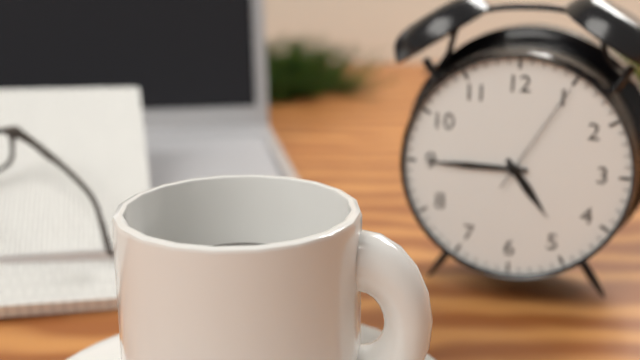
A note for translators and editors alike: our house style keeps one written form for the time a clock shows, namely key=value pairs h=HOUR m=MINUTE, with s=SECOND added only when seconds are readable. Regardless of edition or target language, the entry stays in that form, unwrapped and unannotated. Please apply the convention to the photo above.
h=4 m=45 s=5
